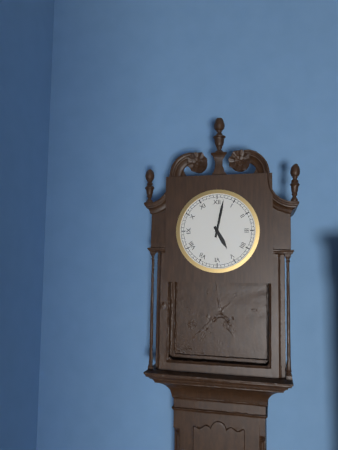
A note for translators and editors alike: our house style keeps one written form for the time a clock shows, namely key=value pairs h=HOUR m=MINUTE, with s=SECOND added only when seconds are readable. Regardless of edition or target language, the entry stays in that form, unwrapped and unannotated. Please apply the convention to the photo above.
h=5 m=2
